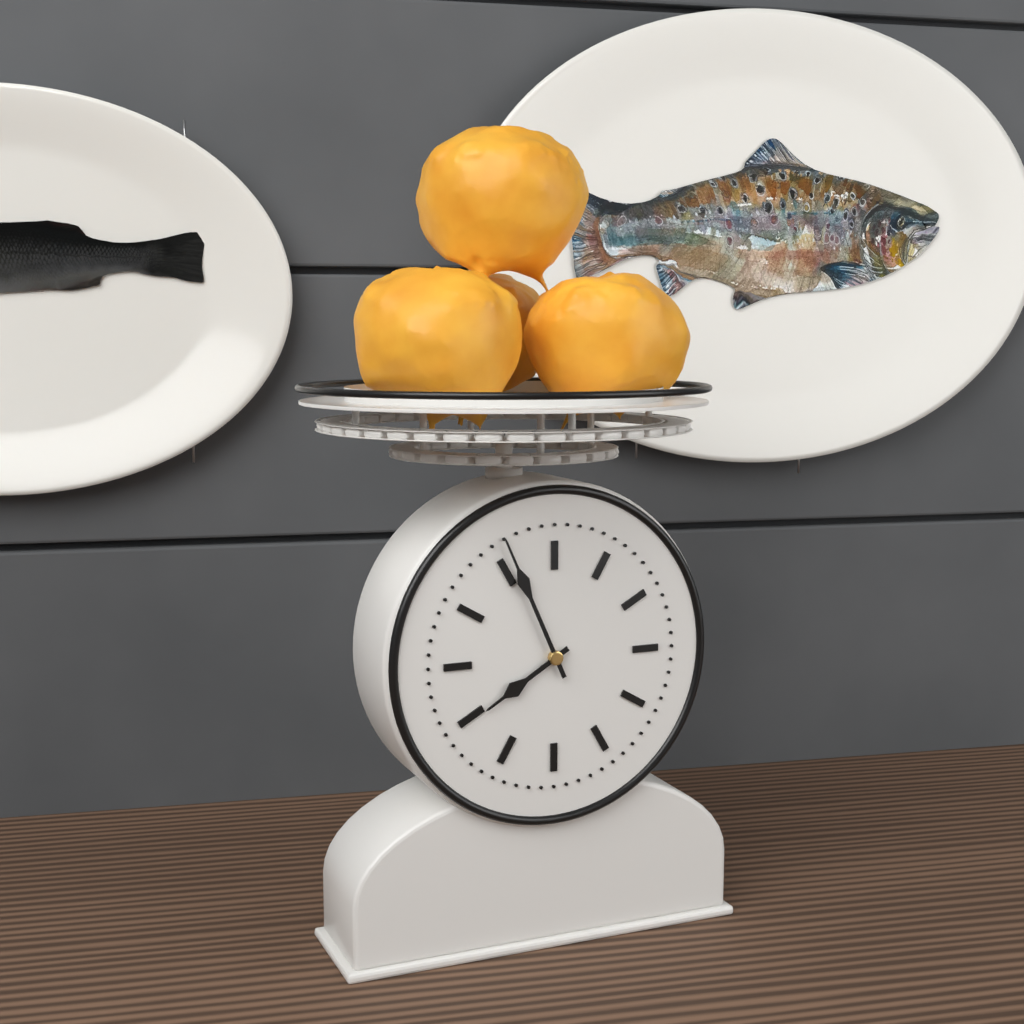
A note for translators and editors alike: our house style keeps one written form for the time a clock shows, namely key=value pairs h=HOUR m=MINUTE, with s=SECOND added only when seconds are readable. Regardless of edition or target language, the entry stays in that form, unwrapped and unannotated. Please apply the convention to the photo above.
h=7 m=56
